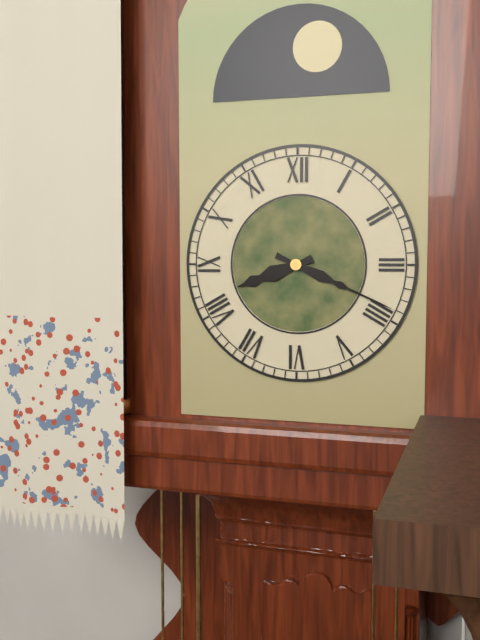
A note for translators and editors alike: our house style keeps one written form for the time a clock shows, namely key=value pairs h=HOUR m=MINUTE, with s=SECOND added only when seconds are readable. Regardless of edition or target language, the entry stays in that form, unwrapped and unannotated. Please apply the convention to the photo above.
h=8 m=19
